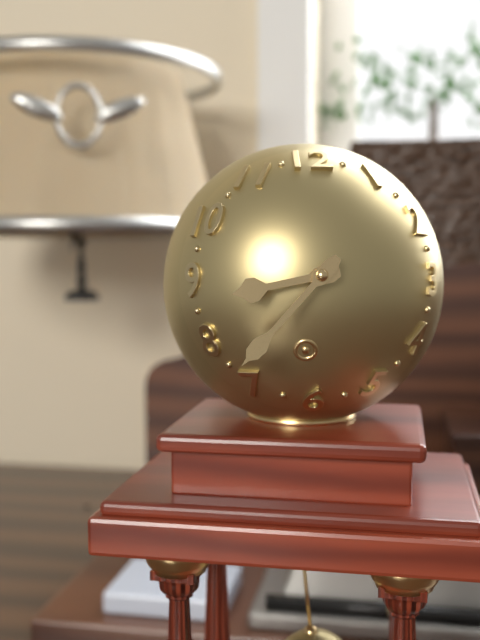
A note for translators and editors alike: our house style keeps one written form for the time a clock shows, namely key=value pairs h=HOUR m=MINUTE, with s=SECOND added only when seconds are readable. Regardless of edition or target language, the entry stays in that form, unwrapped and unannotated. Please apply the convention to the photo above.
h=8 m=37
